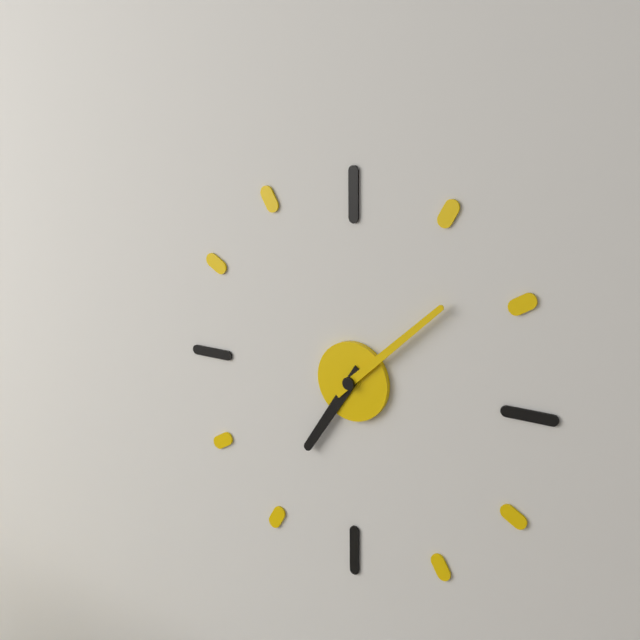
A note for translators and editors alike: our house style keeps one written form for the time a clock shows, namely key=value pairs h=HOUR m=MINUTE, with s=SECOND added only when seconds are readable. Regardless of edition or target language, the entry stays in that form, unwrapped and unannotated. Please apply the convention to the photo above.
h=7 m=8
